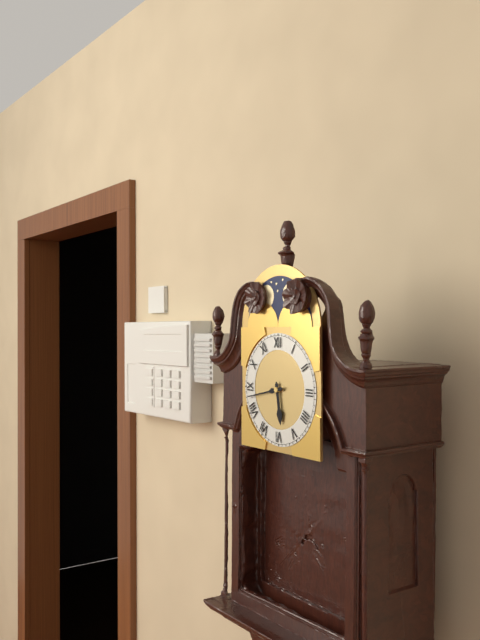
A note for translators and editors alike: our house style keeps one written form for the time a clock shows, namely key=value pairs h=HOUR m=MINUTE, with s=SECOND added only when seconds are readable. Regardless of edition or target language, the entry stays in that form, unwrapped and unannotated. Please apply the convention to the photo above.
h=5 m=43
